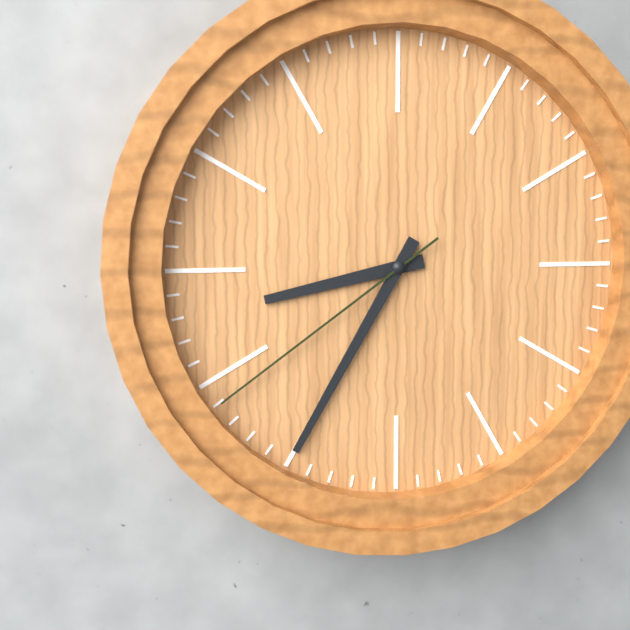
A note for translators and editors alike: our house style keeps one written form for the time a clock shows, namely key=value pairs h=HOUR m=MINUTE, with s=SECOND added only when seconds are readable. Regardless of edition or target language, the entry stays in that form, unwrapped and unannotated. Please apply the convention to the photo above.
h=8 m=35 s=39
